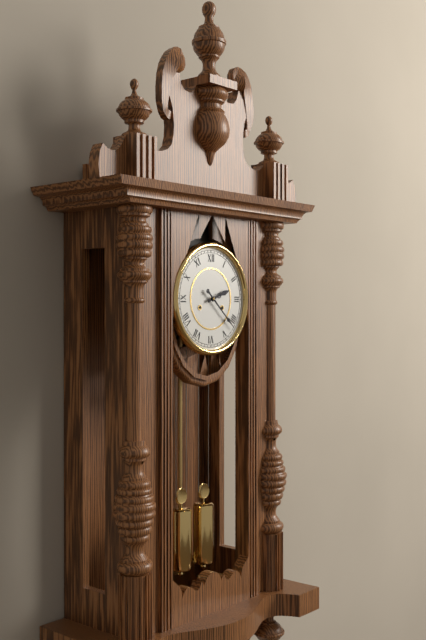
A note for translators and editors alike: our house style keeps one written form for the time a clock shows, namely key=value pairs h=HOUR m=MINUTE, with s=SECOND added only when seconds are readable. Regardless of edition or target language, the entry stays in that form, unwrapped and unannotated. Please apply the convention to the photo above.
h=2 m=22
